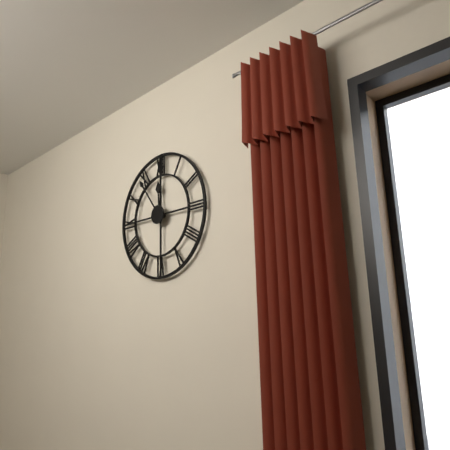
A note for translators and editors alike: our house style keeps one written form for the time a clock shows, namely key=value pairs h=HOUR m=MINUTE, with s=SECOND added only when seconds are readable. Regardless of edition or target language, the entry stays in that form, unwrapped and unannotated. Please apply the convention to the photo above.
h=11 m=54
